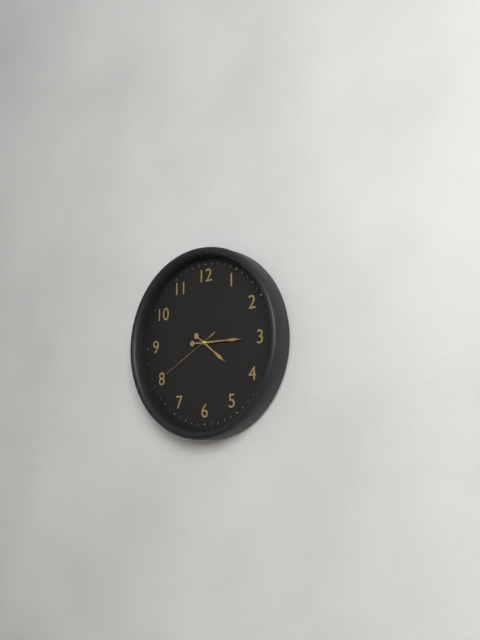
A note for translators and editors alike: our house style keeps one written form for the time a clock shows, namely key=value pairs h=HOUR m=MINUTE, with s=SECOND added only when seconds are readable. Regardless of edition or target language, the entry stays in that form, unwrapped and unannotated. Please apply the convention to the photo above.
h=4 m=15 s=40
